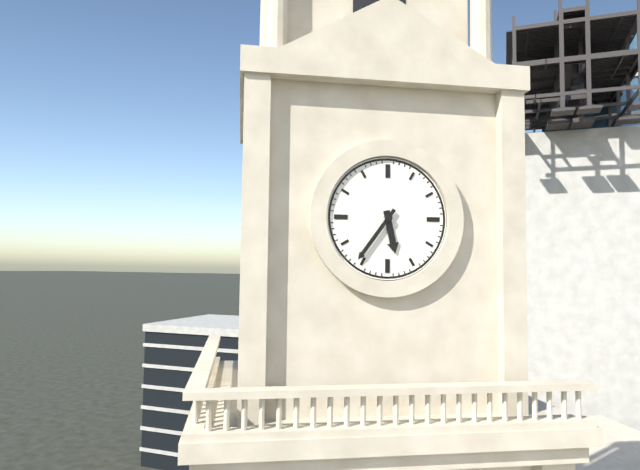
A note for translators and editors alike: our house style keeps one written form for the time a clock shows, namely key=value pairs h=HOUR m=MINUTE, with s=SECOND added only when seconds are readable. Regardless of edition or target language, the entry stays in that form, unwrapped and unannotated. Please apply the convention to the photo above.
h=5 m=36
